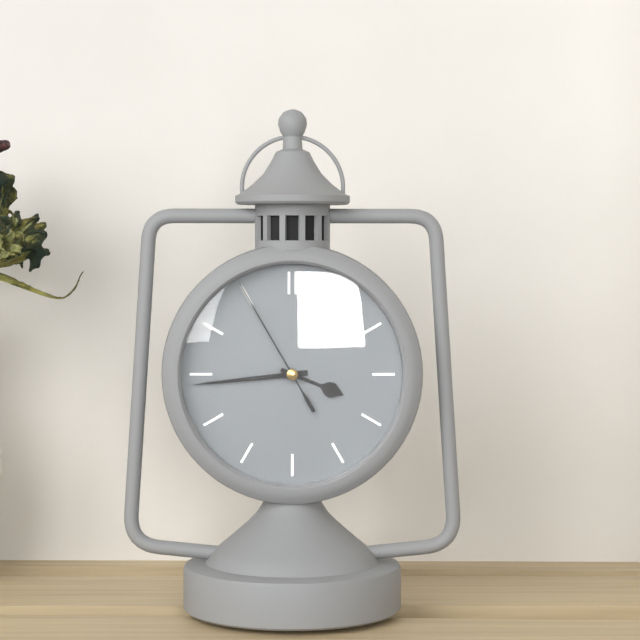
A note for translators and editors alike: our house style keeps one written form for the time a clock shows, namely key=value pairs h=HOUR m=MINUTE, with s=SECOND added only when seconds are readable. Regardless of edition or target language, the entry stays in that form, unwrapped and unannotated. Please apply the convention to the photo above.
h=3 m=44 s=55
